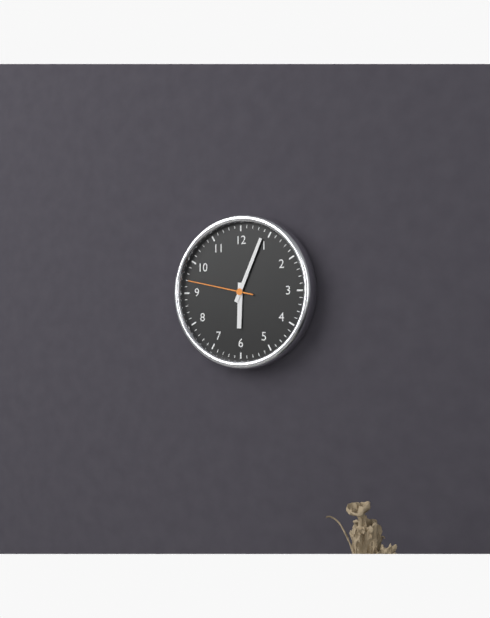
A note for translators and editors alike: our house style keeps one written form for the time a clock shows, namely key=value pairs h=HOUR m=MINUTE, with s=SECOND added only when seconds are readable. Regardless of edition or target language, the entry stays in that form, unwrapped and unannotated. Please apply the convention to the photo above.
h=6 m=4 s=47
